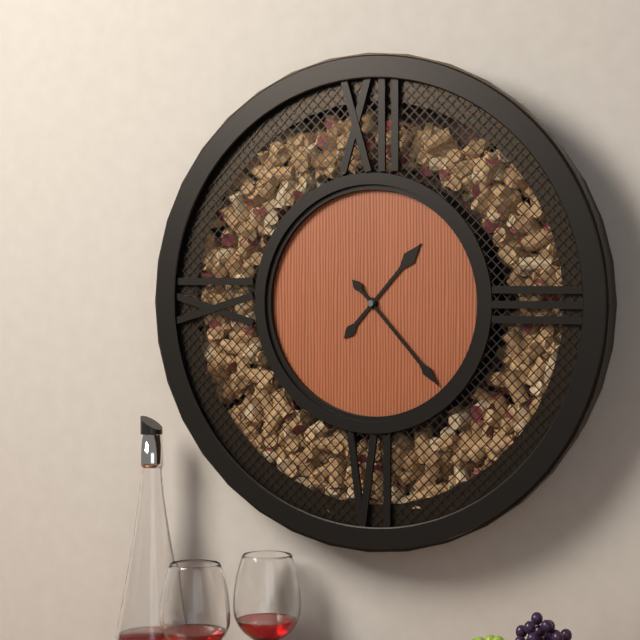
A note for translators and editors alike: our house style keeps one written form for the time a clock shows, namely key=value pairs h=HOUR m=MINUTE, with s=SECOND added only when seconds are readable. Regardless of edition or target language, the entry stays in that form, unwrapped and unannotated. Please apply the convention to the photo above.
h=1 m=23
